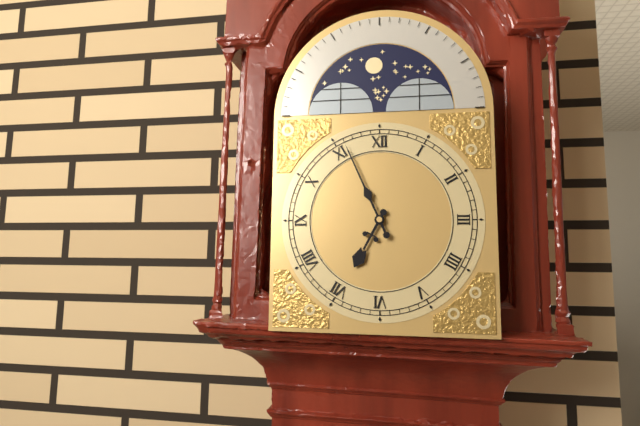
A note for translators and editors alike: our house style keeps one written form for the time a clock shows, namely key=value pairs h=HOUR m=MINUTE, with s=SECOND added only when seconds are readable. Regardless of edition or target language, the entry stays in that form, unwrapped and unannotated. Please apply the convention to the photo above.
h=6 m=56
